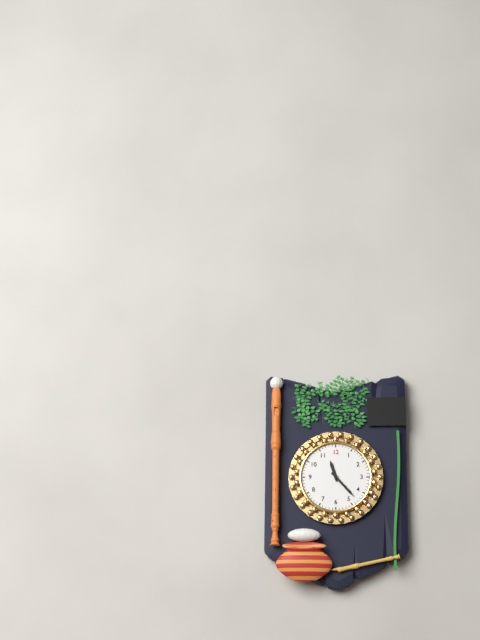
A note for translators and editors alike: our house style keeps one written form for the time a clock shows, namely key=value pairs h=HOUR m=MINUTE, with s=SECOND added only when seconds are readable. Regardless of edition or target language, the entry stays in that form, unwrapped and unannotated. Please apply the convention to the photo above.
h=11 m=23
